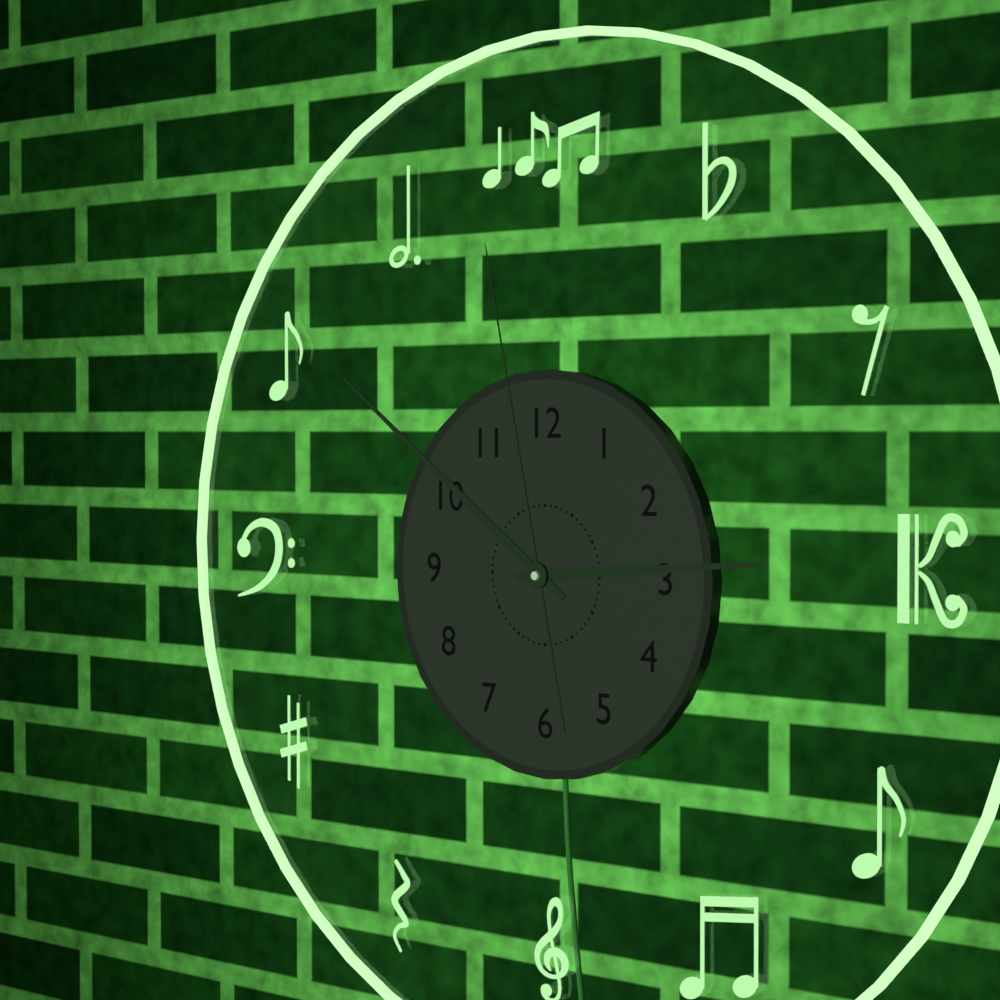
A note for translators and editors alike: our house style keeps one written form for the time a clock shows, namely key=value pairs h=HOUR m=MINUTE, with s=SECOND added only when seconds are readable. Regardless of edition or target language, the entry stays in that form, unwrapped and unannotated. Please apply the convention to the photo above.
h=2 m=51 s=58
